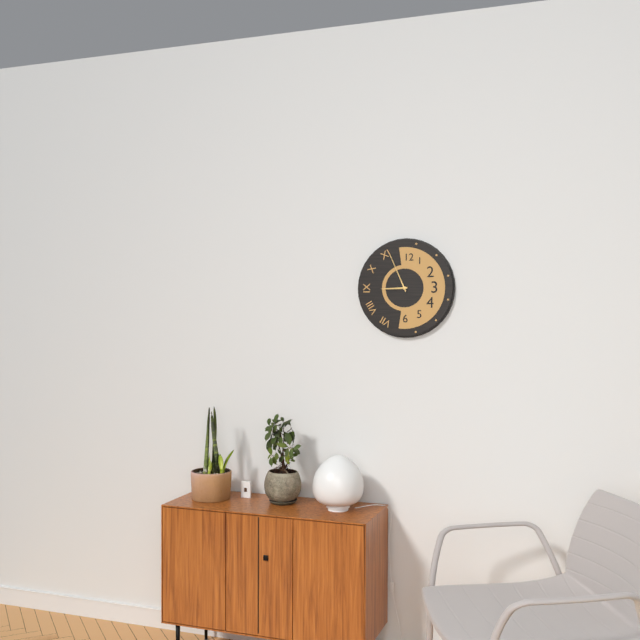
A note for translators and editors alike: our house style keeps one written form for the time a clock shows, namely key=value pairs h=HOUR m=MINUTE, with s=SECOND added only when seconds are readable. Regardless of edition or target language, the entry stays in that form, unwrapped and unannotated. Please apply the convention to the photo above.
h=8 m=56
